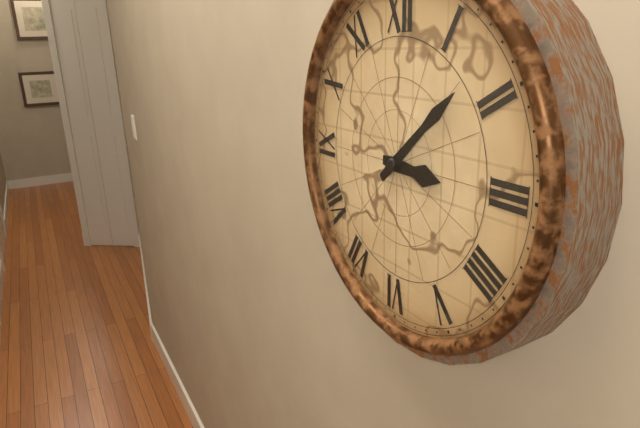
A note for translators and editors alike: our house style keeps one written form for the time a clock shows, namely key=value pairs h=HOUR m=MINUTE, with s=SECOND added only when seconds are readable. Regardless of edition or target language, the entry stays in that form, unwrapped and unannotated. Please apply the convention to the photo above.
h=3 m=8
